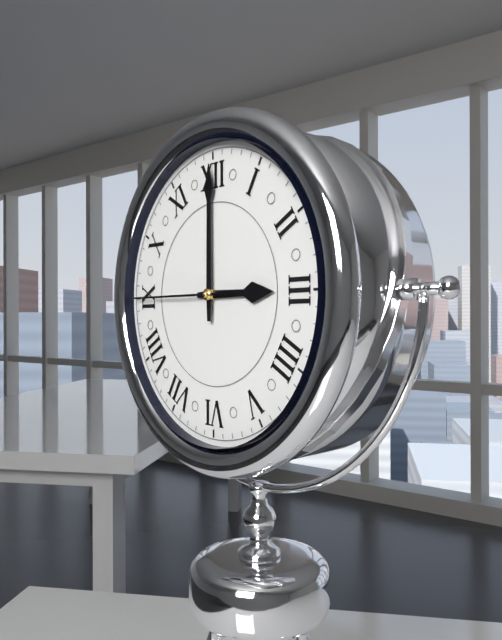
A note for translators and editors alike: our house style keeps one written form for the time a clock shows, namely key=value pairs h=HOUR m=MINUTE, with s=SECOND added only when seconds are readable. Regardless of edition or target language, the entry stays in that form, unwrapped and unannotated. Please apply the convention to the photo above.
h=3 m=0 s=45
